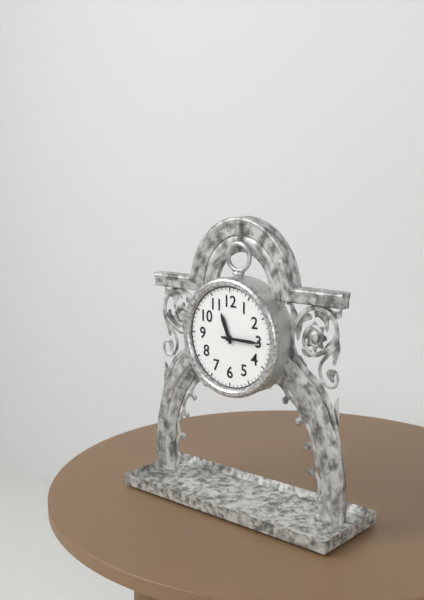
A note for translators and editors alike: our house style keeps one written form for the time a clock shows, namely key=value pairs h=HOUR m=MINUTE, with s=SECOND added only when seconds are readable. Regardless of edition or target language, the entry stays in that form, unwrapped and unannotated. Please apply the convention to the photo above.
h=11 m=15
